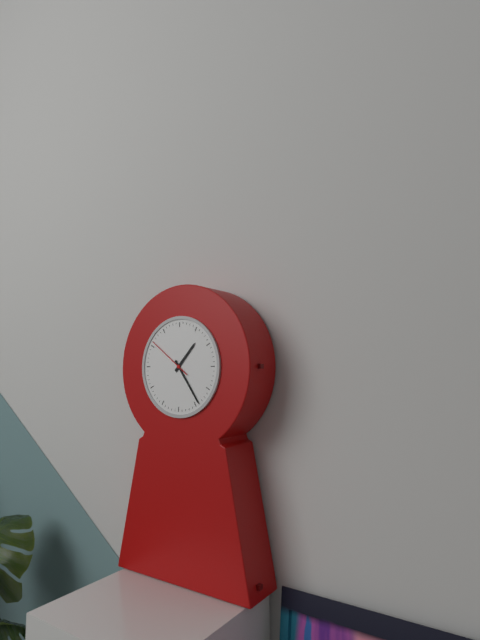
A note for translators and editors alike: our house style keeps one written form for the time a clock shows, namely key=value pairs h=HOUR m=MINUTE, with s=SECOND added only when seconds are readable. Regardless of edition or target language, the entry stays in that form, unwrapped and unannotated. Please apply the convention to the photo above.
h=1 m=24
